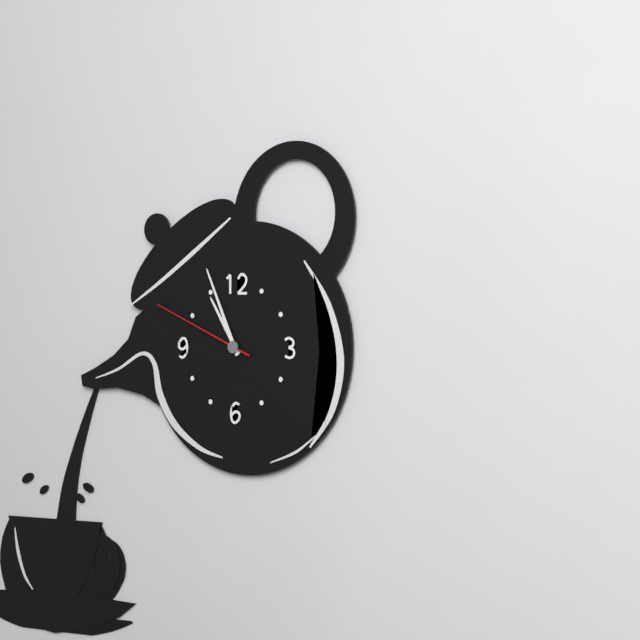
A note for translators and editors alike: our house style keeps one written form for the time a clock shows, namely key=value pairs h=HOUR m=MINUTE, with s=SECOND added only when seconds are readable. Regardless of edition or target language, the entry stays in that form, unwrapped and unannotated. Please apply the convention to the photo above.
h=10 m=56 s=49
